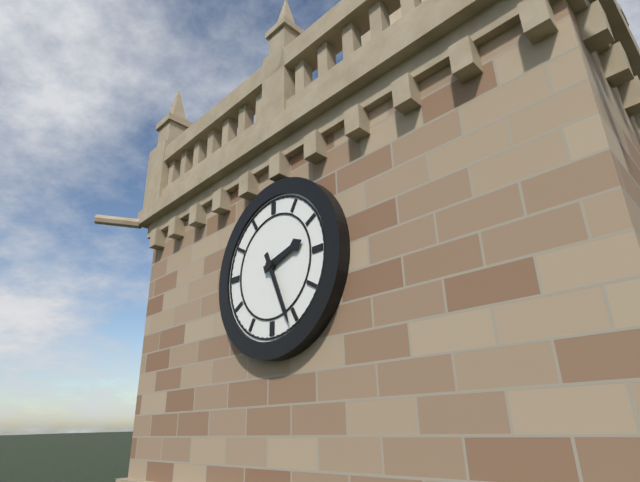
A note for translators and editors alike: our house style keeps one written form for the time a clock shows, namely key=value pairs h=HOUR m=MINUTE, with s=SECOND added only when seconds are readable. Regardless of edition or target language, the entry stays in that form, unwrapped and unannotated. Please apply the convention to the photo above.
h=2 m=26
